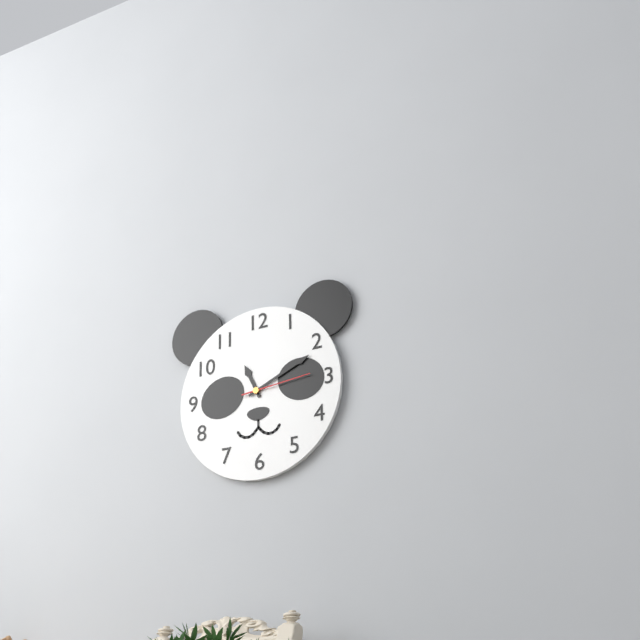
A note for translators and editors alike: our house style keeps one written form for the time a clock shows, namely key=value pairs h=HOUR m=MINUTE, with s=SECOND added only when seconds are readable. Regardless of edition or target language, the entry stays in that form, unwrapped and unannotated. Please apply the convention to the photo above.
h=11 m=11 s=14
